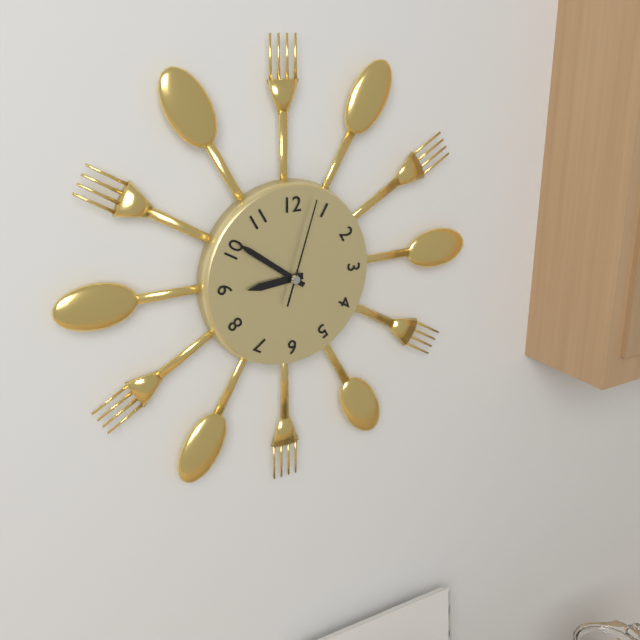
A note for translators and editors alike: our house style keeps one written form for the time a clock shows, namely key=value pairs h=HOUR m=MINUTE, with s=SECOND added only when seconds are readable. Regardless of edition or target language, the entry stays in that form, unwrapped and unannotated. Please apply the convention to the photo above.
h=8 m=51 s=3
